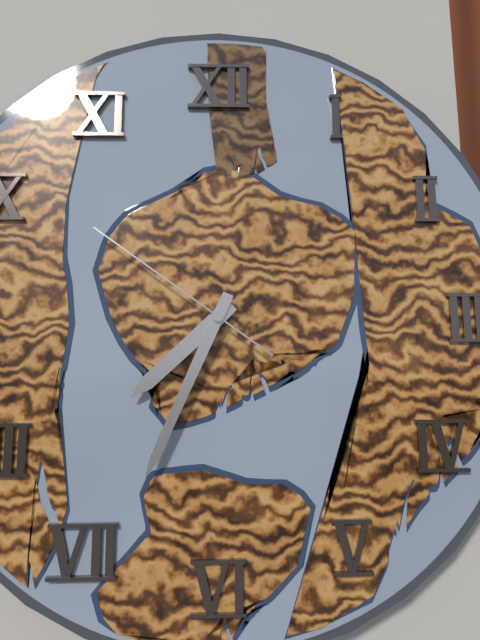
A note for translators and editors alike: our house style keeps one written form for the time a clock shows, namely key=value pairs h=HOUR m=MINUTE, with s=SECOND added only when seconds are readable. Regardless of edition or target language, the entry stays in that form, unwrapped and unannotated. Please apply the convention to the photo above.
h=7 m=34 s=51
